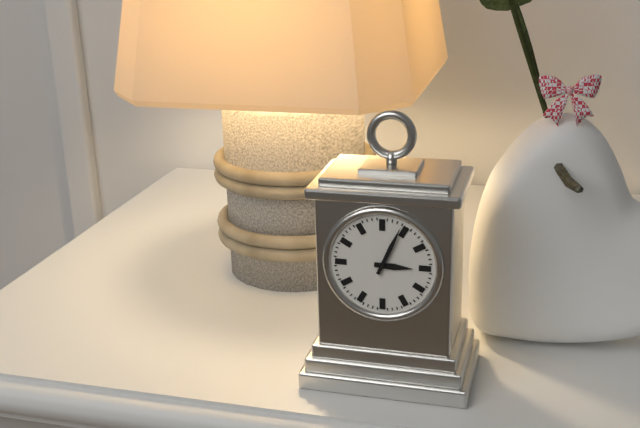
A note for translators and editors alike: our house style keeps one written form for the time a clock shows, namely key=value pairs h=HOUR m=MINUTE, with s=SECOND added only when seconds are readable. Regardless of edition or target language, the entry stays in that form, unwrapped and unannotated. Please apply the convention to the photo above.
h=3 m=4
